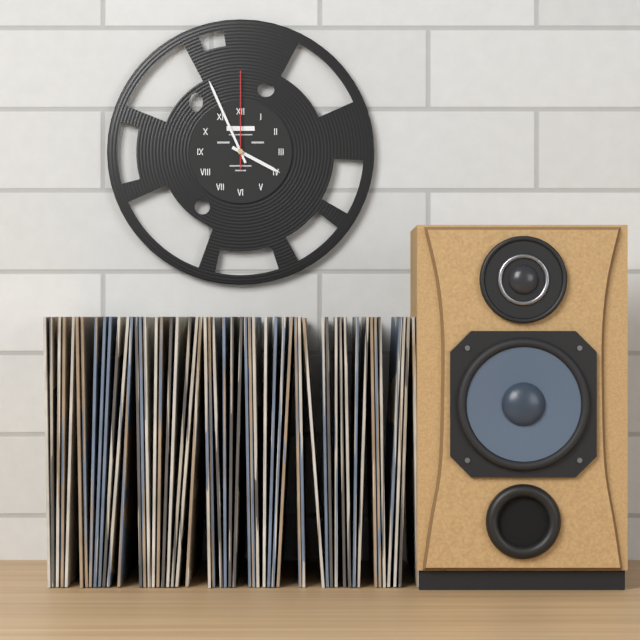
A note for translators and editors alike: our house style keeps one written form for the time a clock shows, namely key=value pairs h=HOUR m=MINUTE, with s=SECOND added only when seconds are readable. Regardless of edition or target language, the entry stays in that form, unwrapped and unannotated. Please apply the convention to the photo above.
h=3 m=56 s=0
